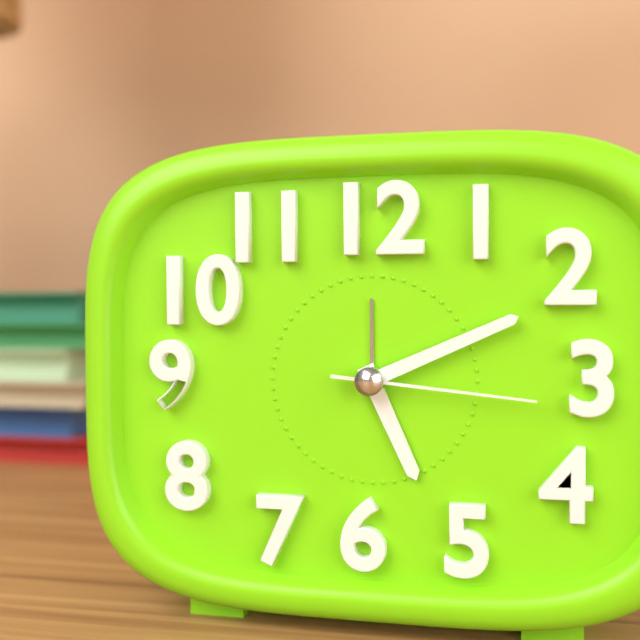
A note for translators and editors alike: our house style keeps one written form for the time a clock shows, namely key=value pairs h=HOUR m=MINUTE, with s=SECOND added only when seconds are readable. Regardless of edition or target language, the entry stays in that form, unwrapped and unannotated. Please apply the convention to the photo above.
h=5 m=11 s=16
